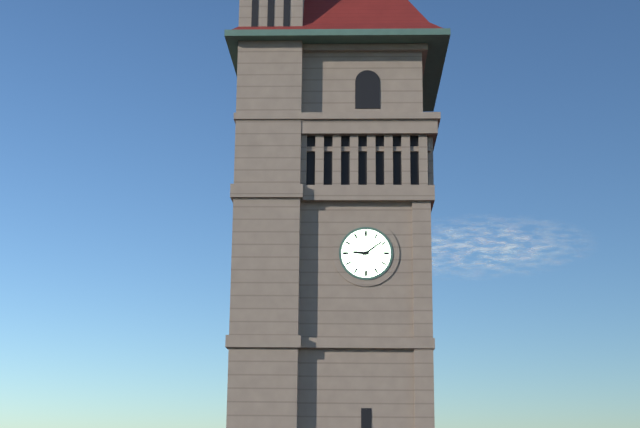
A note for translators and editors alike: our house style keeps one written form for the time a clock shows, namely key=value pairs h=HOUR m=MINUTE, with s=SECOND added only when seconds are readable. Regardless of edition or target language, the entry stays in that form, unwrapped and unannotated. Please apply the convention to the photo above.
h=9 m=9
